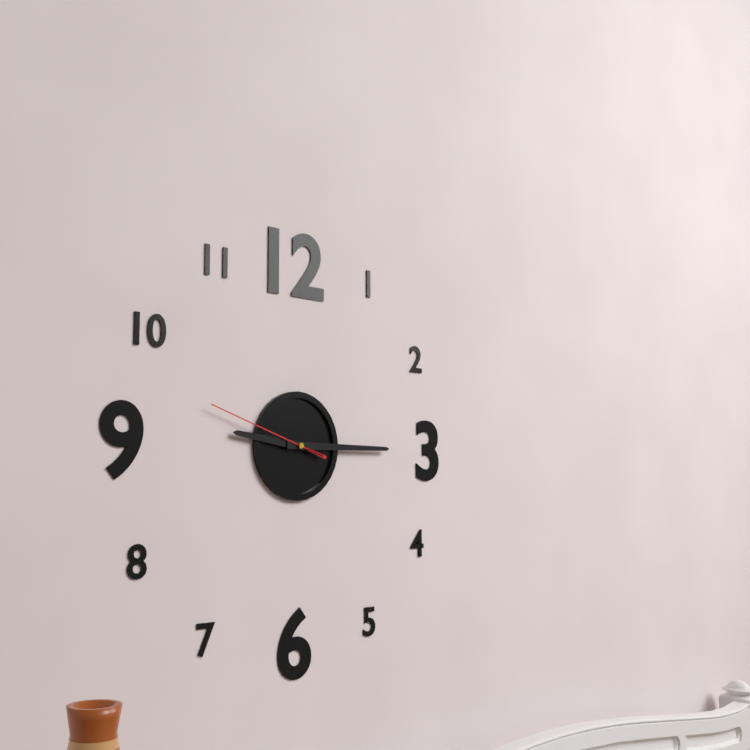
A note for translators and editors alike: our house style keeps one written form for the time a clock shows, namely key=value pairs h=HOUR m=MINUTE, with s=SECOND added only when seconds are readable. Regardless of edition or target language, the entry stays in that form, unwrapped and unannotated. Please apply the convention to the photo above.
h=9 m=15 s=48
